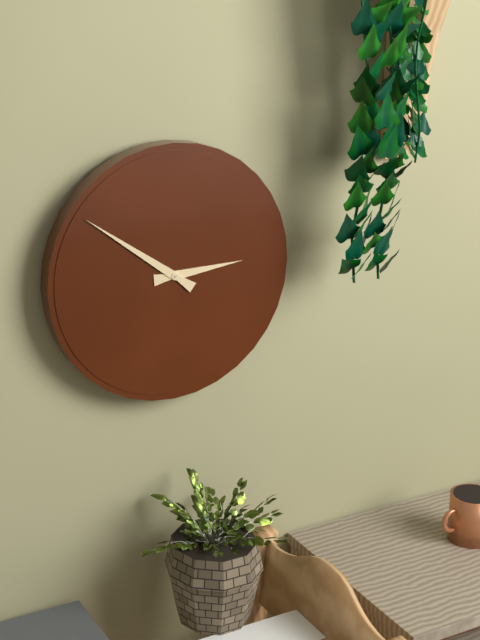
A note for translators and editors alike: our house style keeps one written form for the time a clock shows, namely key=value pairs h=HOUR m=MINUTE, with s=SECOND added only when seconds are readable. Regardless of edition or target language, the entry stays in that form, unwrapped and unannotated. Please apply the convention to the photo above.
h=2 m=51
